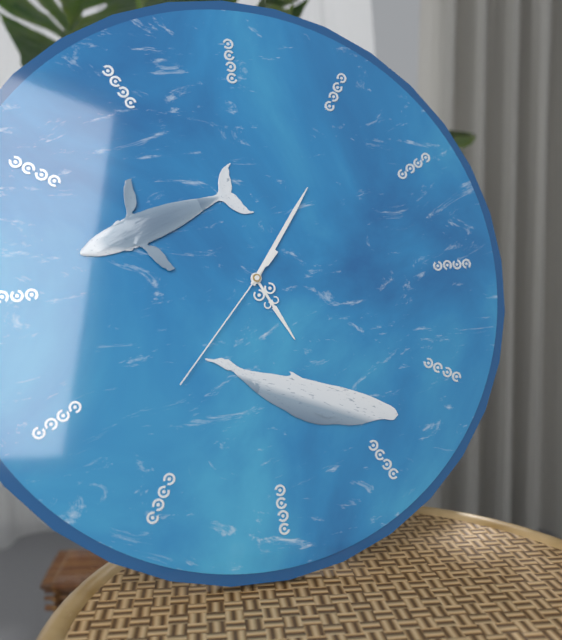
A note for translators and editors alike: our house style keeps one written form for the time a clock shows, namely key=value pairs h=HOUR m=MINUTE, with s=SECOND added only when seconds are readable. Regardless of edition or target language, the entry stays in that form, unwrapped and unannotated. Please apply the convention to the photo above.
h=5 m=6 s=37
